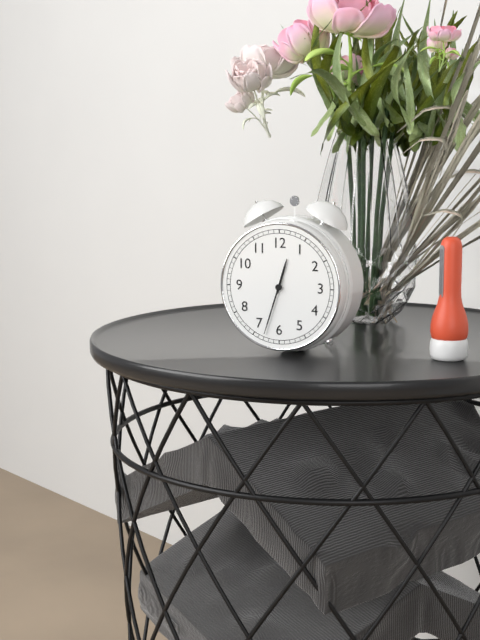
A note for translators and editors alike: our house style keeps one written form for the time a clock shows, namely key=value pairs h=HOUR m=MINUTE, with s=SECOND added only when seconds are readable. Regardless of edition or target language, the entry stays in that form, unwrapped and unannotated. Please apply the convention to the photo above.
h=12 m=33
